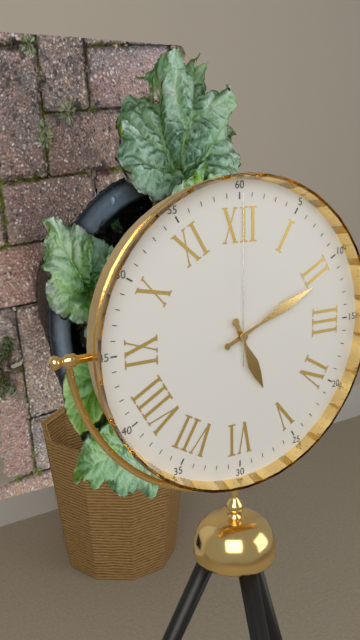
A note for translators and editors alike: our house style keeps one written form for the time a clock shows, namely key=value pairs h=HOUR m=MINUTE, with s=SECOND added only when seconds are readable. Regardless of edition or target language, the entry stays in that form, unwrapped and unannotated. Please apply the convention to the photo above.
h=5 m=11 s=0
